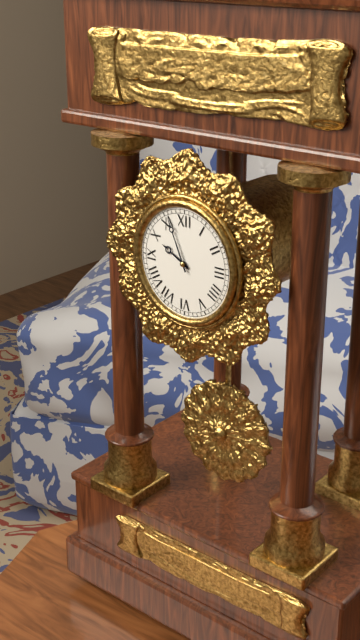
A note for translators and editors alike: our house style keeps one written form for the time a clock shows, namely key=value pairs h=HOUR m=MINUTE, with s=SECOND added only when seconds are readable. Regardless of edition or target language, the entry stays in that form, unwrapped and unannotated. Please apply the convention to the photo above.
h=9 m=56
